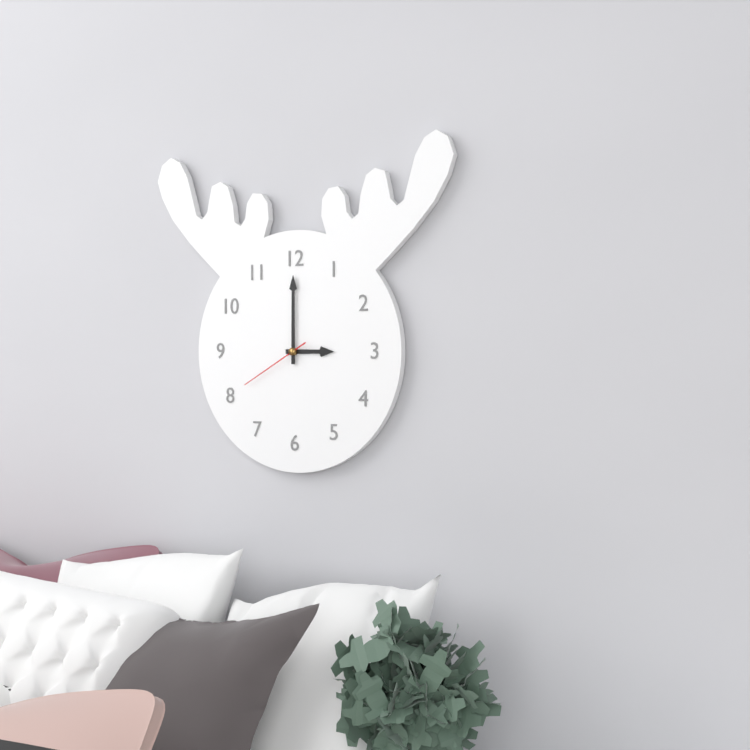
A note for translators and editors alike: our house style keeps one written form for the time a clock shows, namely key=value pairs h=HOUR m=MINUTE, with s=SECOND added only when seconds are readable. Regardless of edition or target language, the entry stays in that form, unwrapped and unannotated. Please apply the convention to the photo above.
h=3 m=0 s=40
